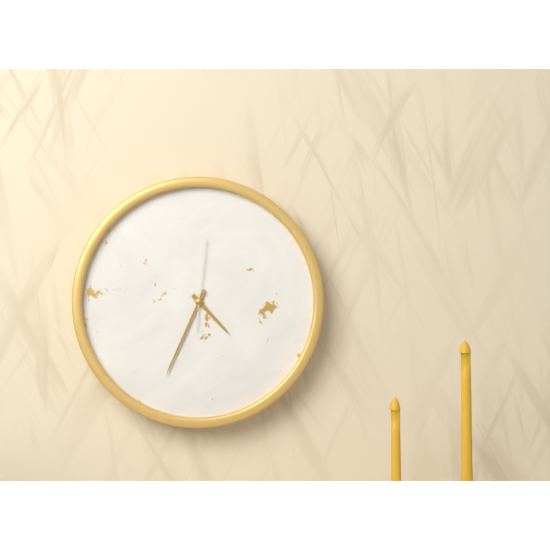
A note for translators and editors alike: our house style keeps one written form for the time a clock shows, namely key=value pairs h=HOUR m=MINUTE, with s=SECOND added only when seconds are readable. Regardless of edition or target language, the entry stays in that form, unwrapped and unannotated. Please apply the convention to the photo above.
h=4 m=34 s=1
